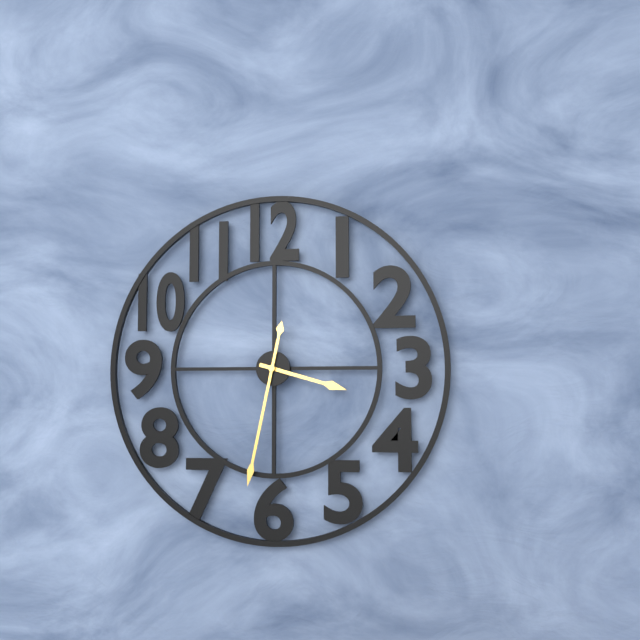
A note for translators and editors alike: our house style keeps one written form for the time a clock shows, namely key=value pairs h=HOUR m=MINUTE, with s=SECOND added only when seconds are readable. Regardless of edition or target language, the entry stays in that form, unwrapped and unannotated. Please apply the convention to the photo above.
h=3 m=32
